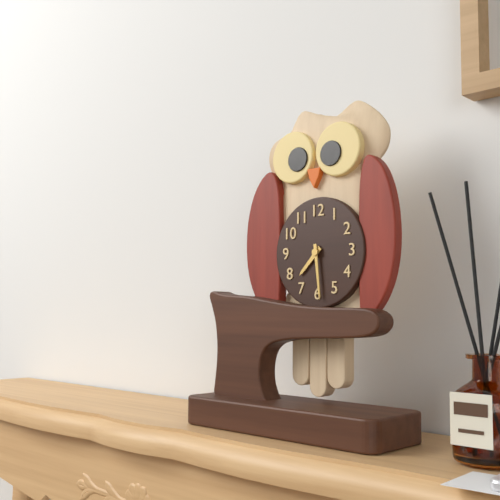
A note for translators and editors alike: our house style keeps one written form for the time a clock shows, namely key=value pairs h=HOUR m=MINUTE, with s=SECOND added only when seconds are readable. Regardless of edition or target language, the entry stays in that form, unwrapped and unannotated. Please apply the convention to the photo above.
h=7 m=29
